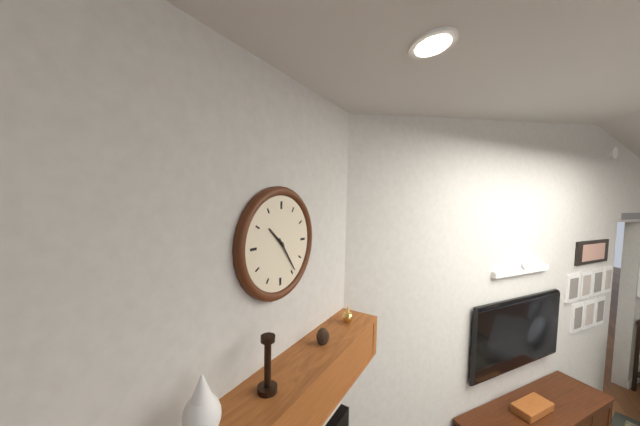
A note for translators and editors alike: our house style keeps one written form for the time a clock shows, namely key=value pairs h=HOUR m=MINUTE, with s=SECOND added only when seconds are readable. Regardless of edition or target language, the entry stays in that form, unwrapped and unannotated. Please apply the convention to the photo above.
h=10 m=24
